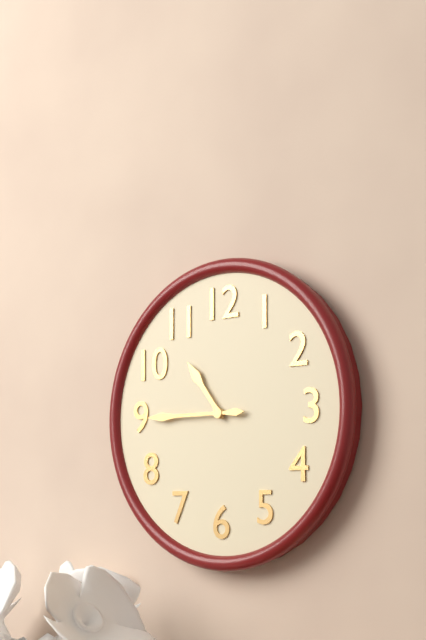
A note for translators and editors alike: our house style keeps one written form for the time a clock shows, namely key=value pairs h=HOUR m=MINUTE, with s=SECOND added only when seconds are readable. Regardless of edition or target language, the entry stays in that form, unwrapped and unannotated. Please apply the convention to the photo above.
h=10 m=45
